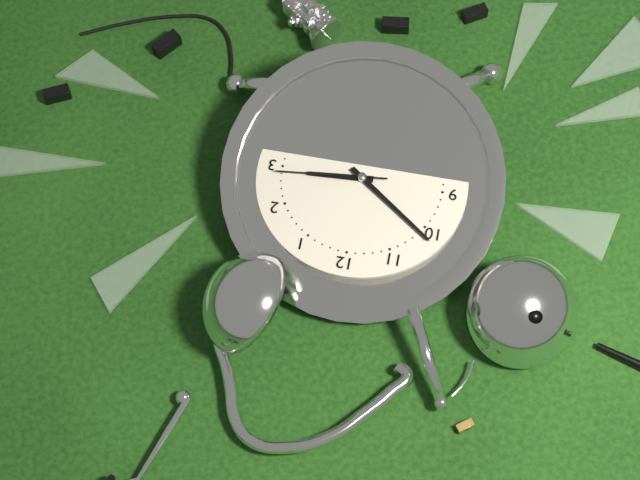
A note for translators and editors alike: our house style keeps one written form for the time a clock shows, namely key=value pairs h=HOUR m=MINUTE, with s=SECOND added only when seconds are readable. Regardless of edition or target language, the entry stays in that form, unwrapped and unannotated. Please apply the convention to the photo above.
h=2 m=51 s=14
